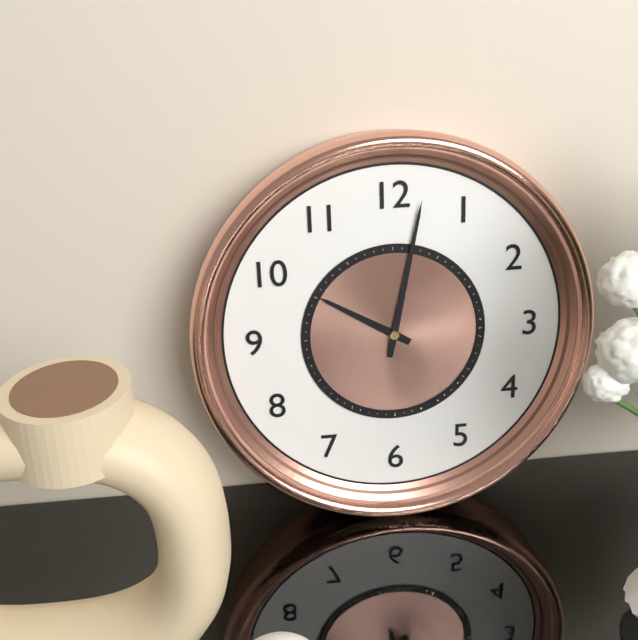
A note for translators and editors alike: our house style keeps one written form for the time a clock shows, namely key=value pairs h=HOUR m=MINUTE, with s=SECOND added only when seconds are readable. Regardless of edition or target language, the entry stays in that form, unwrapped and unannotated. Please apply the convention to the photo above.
h=10 m=2
